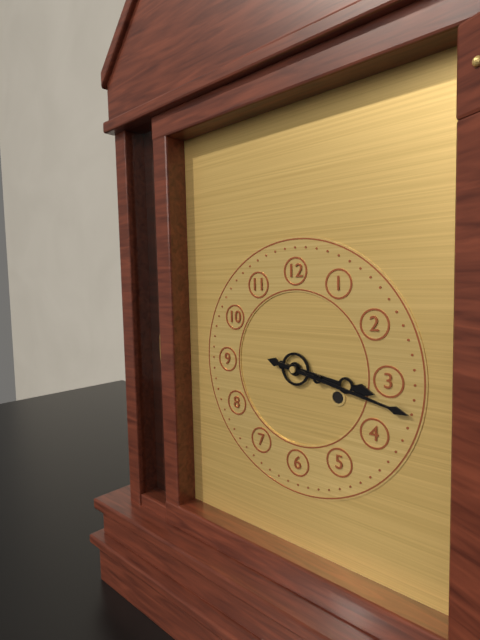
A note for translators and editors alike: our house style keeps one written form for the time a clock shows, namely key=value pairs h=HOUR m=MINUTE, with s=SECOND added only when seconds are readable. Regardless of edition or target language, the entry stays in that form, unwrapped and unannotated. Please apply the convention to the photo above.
h=3 m=17
